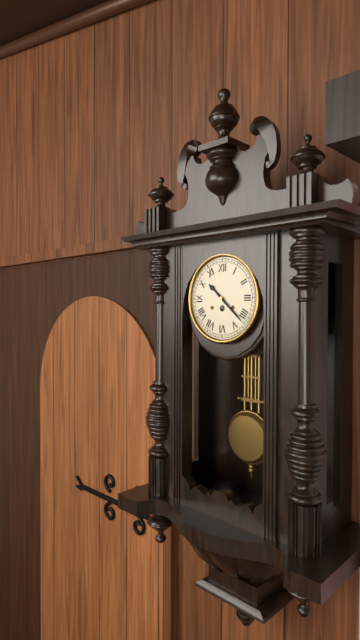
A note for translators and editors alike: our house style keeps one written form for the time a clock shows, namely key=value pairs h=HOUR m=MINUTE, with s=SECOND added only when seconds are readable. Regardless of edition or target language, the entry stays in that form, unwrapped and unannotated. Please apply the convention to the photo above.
h=10 m=22
